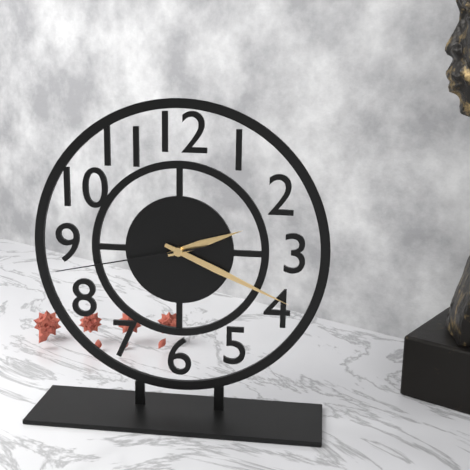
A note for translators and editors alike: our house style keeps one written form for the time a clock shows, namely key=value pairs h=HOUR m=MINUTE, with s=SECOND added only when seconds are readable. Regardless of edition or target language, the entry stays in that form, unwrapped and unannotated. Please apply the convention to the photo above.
h=2 m=19 s=43
